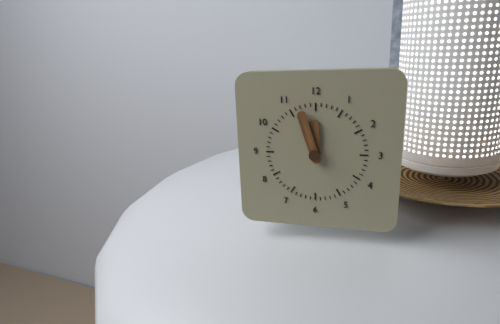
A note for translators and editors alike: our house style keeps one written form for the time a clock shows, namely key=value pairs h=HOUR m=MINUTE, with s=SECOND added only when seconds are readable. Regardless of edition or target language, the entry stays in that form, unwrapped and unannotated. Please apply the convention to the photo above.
h=11 m=57
